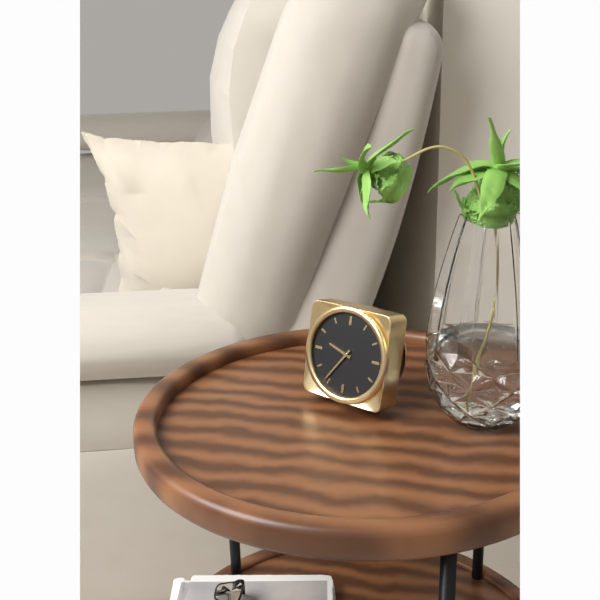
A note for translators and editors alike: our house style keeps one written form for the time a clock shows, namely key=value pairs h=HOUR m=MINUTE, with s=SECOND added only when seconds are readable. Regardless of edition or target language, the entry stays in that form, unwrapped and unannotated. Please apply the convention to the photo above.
h=9 m=36
